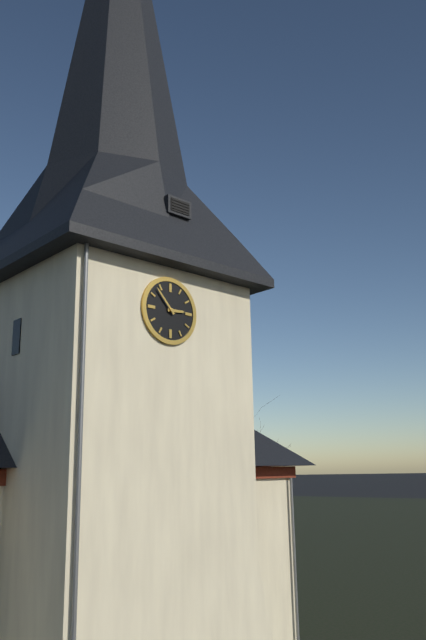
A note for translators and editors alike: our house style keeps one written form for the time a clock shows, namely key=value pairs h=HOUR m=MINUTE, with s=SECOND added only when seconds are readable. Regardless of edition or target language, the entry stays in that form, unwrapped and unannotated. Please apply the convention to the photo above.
h=2 m=53
